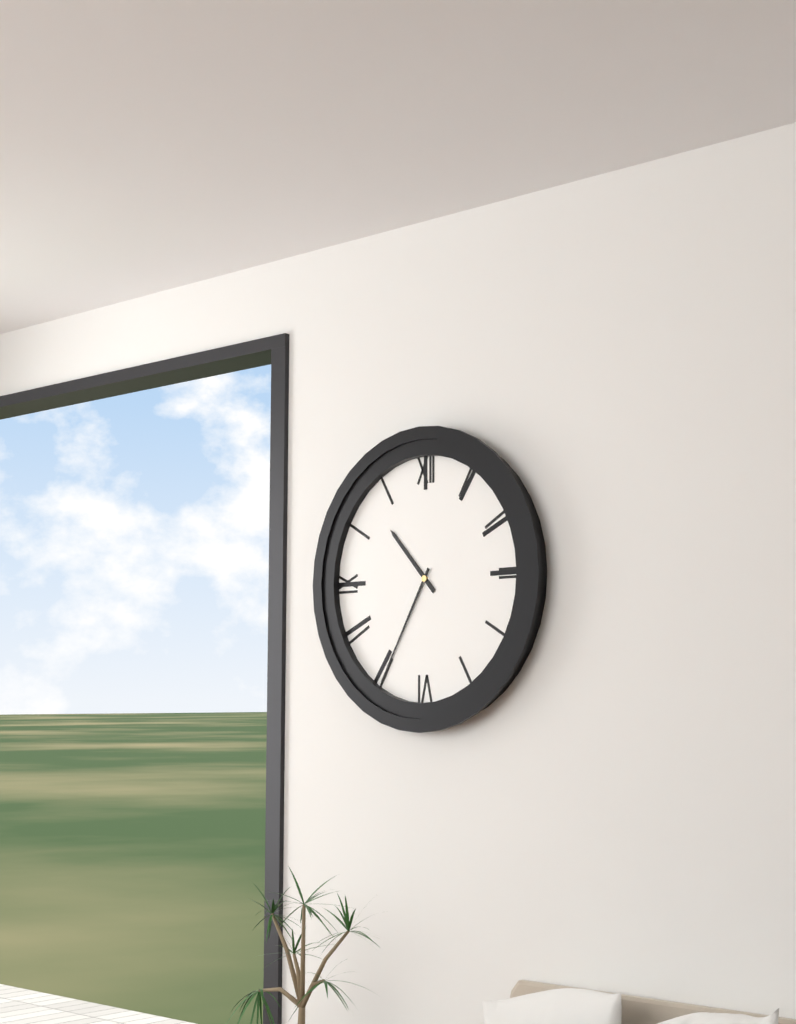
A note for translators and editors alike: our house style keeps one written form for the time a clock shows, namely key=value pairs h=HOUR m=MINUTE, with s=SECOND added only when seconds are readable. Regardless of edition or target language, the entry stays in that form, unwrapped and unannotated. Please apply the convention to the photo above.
h=10 m=35
